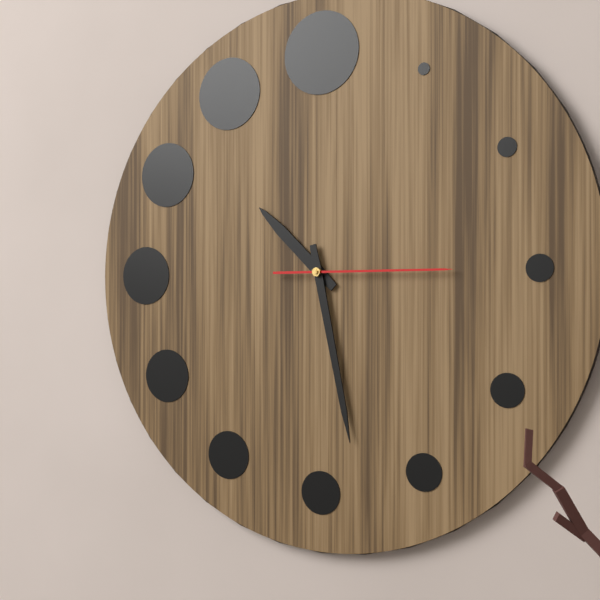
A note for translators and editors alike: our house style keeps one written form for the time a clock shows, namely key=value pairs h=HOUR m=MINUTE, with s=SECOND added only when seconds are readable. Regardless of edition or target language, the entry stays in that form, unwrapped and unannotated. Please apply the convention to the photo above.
h=10 m=28 s=15
